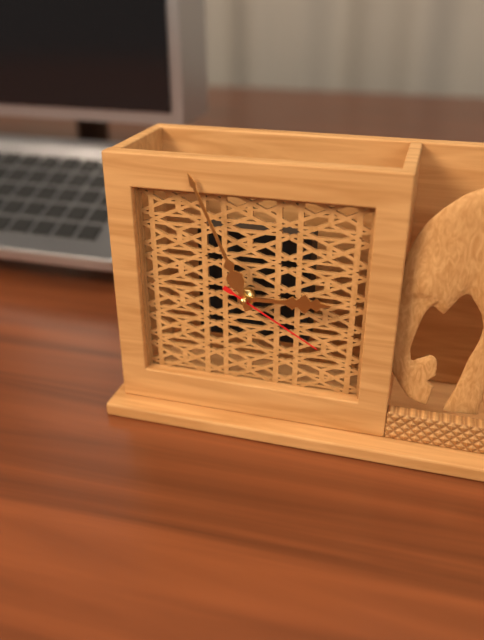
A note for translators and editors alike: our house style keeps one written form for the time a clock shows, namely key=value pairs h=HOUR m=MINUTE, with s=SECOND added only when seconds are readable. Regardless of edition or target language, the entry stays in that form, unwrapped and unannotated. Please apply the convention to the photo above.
h=2 m=56 s=20
